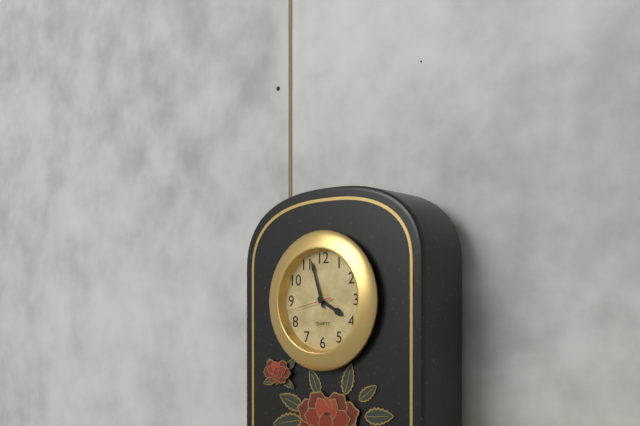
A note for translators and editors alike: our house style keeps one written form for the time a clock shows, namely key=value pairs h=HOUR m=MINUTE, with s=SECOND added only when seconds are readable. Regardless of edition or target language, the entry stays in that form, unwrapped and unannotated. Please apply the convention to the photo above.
h=3 m=57 s=43
